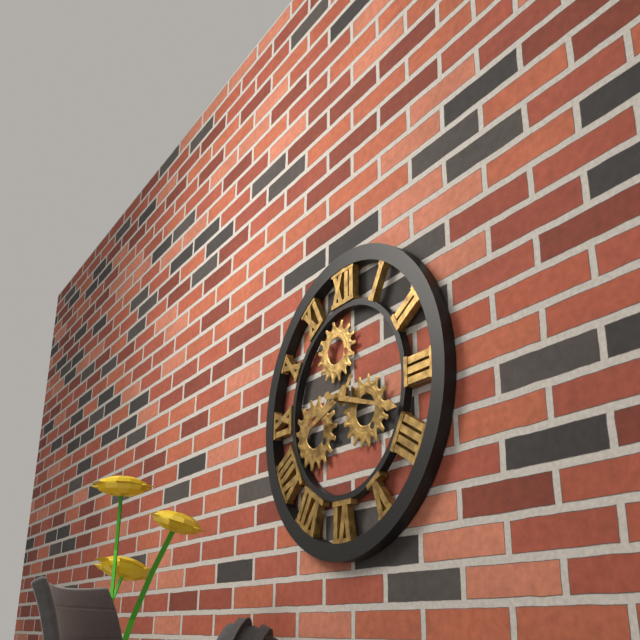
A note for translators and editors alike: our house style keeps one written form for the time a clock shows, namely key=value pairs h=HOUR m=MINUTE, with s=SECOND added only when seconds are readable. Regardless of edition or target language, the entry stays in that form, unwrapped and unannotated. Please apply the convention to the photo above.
h=8 m=18
